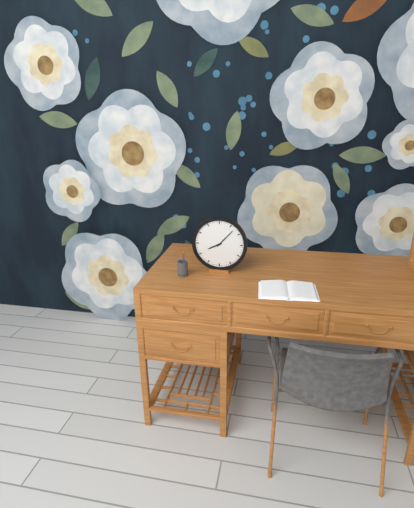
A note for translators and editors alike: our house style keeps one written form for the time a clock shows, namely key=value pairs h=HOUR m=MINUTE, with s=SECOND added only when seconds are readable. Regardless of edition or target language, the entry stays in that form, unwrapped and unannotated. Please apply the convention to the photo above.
h=8 m=7
